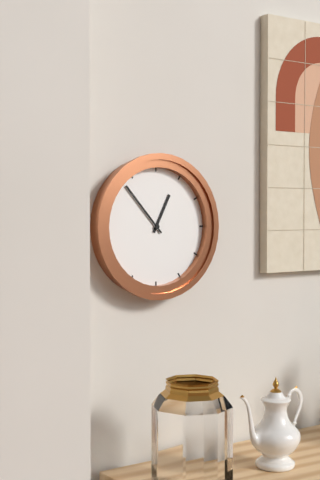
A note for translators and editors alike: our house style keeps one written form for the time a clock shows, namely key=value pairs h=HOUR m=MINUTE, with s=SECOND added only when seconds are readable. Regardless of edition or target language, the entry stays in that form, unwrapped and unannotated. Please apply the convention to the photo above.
h=12 m=53
